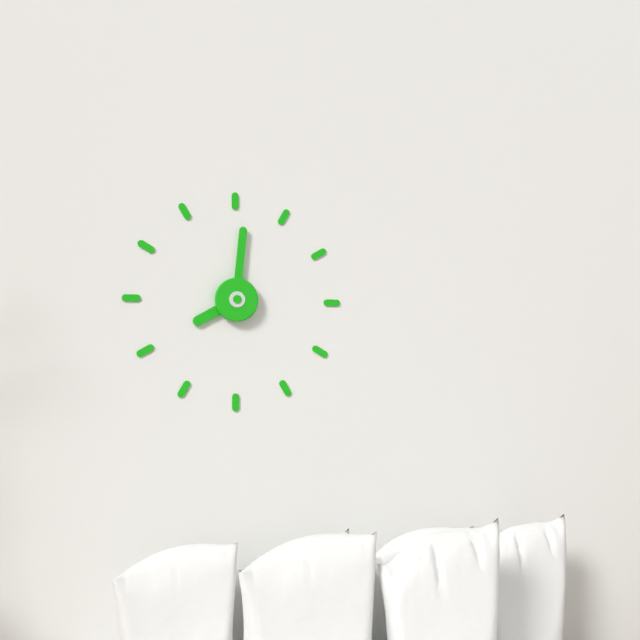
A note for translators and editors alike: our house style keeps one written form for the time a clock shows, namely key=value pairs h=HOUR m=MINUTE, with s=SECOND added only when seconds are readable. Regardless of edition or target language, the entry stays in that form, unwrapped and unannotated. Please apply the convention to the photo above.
h=8 m=1
